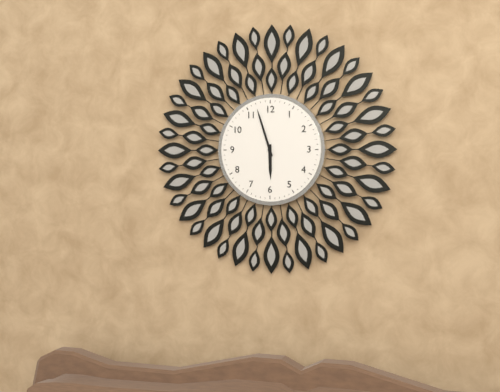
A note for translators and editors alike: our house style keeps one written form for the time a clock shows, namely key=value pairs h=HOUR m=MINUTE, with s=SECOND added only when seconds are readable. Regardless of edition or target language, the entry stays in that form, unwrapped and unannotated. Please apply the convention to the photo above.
h=5 m=57
